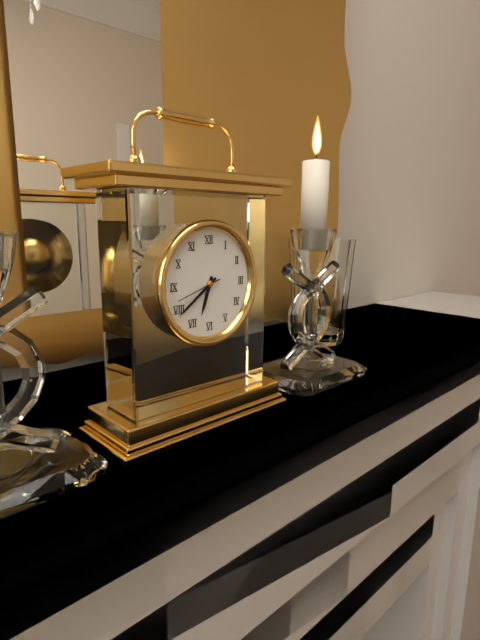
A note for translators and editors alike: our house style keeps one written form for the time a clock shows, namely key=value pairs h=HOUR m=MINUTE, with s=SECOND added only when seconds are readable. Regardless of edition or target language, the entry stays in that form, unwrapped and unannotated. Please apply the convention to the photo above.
h=6 m=39
